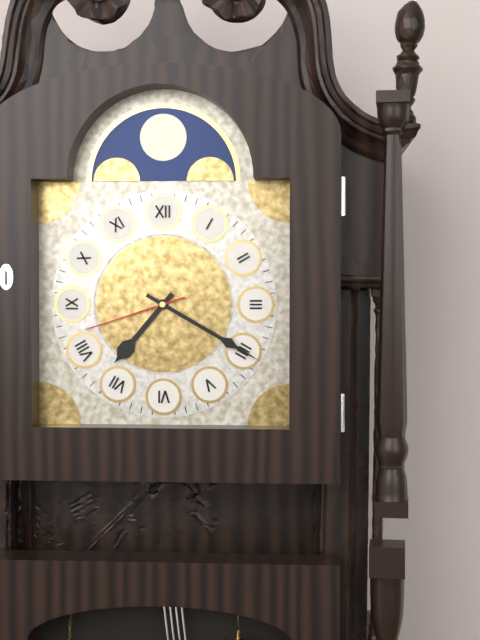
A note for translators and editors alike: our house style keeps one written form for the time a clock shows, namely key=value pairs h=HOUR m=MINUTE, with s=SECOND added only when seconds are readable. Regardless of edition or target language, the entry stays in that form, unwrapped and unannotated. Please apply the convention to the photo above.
h=7 m=20 s=42
